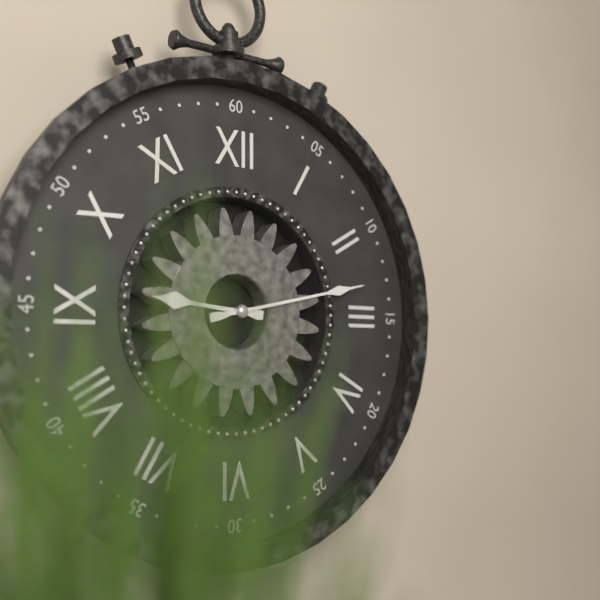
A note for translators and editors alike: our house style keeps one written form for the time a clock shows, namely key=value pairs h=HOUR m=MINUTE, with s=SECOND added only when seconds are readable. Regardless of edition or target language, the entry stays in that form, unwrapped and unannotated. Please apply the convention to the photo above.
h=9 m=13
